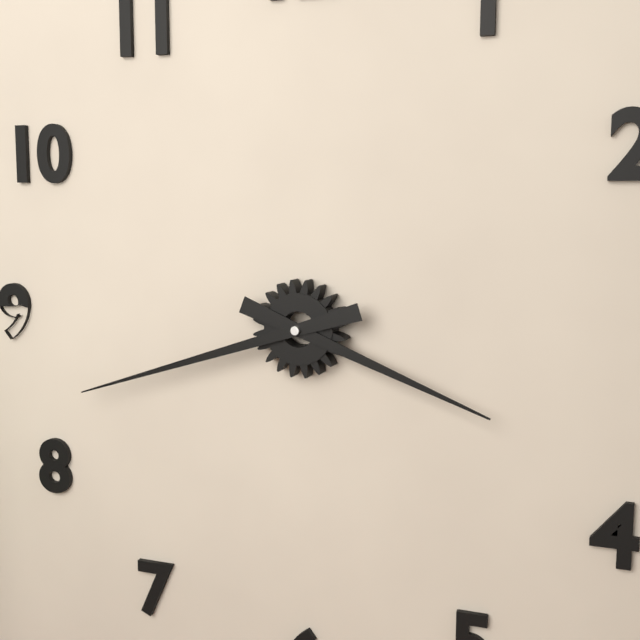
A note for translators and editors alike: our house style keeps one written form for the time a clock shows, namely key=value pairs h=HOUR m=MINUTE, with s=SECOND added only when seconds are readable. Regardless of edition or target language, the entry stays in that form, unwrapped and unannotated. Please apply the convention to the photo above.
h=3 m=42
